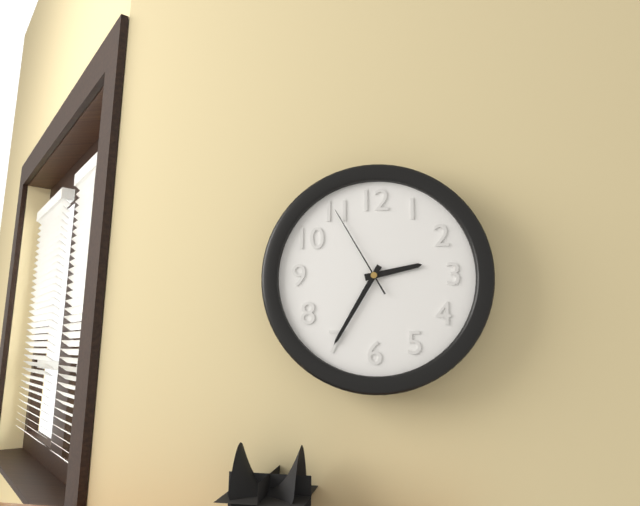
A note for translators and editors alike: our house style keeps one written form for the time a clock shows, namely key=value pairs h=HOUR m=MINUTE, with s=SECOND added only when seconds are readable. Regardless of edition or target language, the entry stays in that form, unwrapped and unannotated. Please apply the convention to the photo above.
h=2 m=35 s=55
